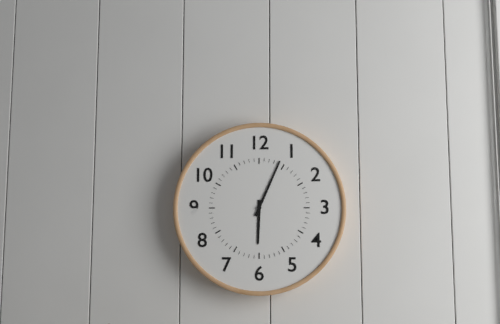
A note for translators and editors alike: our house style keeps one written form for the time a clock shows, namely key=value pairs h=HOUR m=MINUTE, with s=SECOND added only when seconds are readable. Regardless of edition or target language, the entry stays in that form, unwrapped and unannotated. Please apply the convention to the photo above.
h=6 m=4
